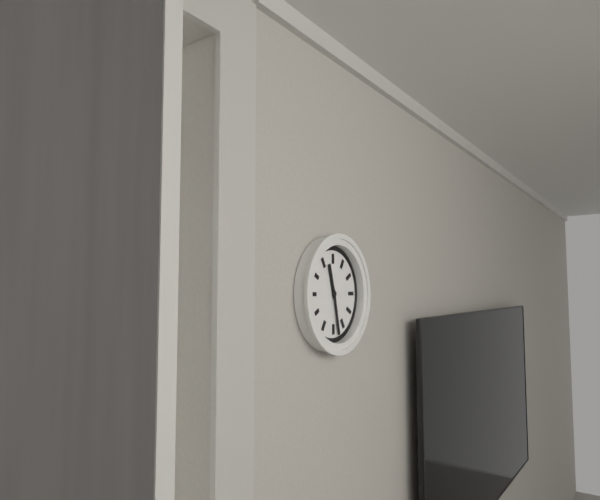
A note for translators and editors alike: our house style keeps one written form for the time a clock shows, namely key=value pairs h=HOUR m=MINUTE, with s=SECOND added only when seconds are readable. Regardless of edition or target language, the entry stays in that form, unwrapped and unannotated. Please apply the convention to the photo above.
h=11 m=28
